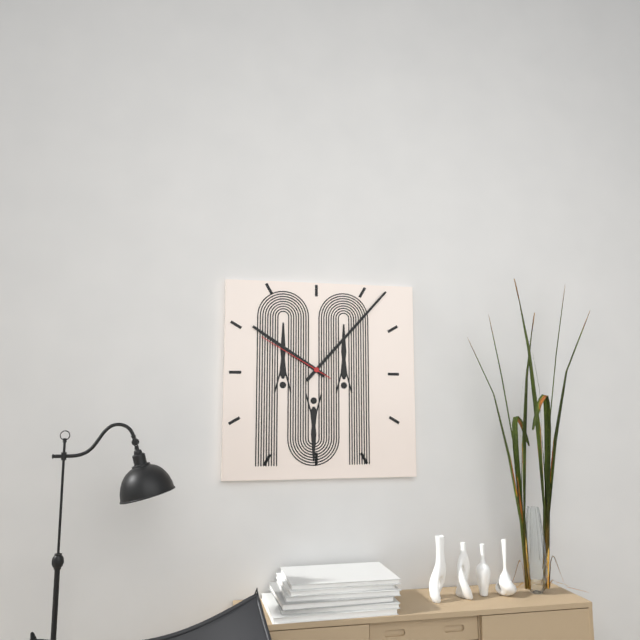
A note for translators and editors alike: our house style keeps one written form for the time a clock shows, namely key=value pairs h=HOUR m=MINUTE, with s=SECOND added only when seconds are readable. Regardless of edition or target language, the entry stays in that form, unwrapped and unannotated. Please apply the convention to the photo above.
h=10 m=7 s=50
